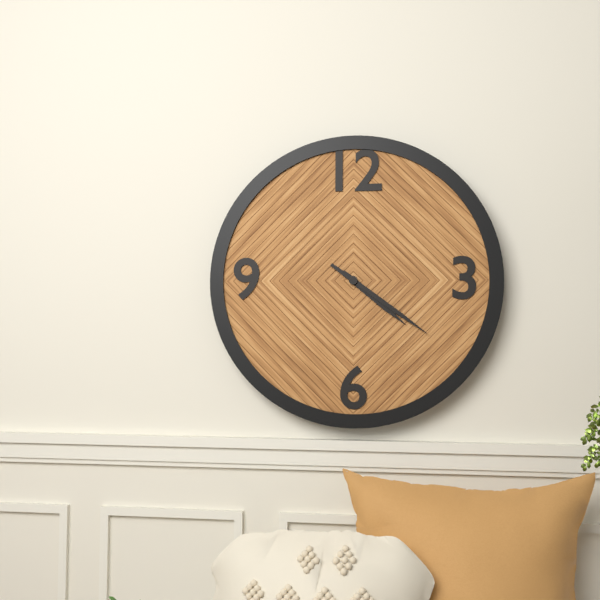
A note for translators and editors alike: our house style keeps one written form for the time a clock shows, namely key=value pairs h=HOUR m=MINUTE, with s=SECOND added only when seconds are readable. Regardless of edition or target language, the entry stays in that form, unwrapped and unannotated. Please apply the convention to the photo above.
h=4 m=21
